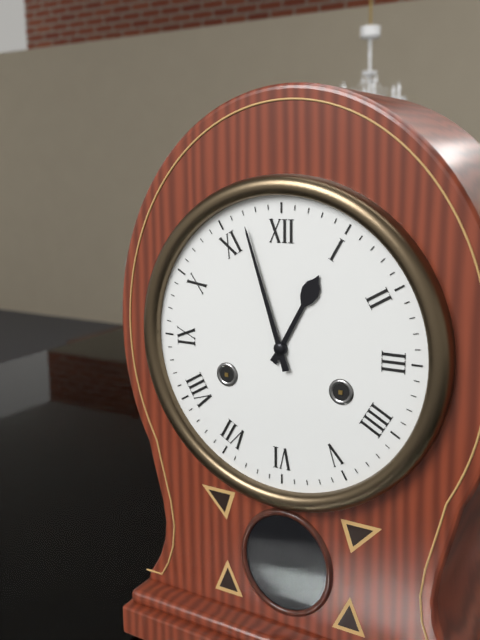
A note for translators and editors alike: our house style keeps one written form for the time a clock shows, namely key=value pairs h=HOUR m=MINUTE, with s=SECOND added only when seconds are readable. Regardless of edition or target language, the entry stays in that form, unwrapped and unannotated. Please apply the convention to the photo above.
h=12 m=57
